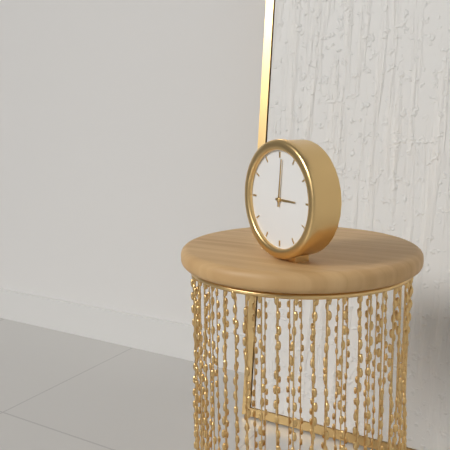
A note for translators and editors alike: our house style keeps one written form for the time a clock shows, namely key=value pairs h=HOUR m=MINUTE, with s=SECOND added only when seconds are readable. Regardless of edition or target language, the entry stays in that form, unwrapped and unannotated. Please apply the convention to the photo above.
h=3 m=1
